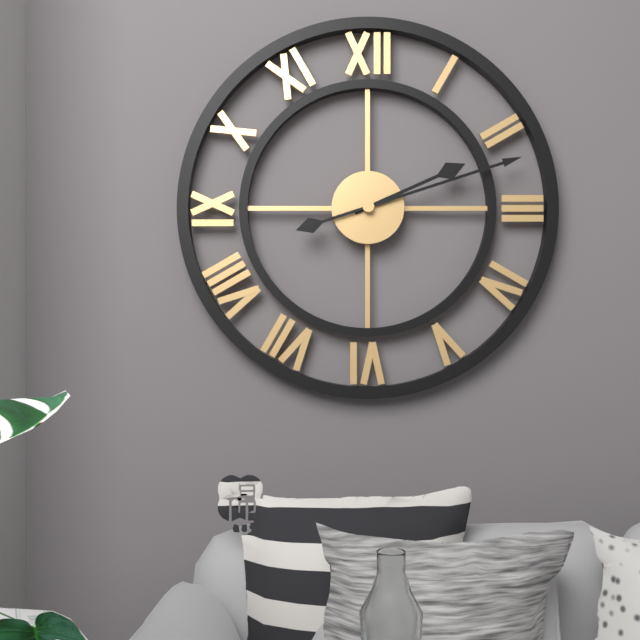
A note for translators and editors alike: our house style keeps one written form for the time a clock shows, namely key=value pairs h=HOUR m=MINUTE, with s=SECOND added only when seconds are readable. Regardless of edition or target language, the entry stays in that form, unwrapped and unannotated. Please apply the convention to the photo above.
h=2 m=12
